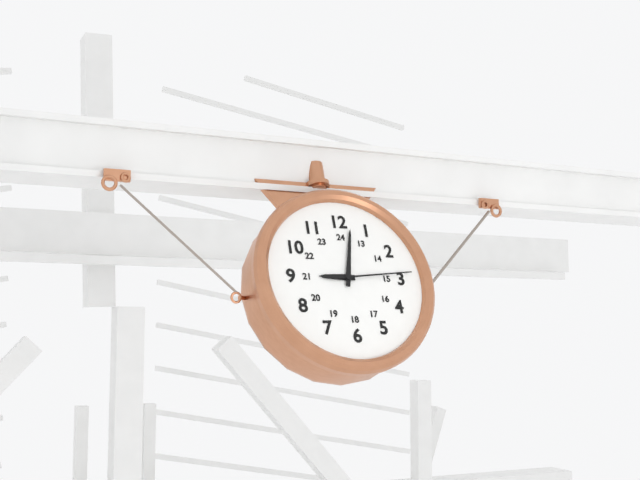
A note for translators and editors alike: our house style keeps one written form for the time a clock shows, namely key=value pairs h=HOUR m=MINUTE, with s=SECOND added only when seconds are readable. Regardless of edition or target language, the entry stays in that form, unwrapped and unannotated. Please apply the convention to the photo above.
h=9 m=2 s=14
